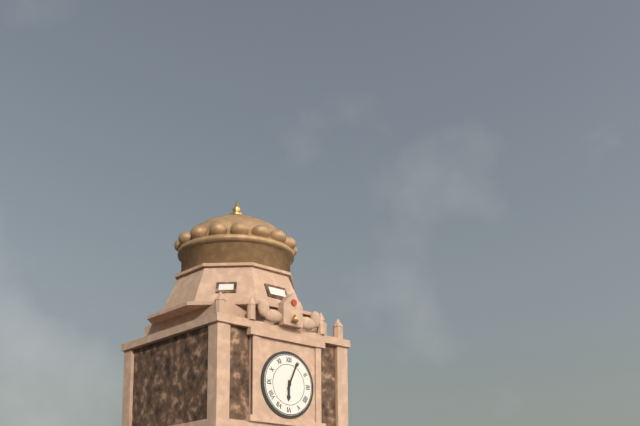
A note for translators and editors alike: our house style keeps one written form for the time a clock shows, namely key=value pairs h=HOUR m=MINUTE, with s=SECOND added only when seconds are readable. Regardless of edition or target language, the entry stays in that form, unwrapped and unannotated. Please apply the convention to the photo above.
h=6 m=4
